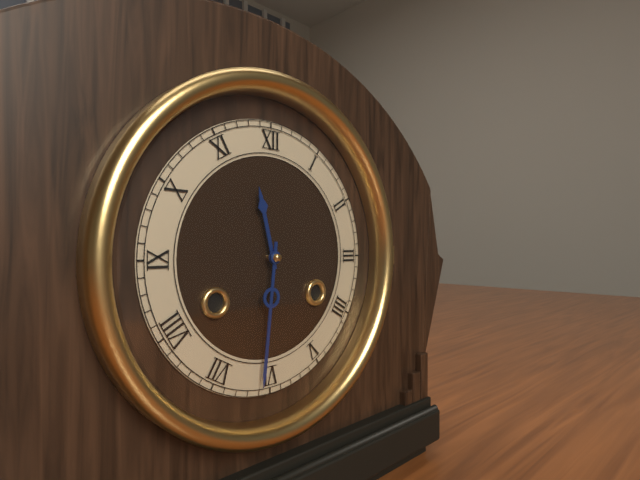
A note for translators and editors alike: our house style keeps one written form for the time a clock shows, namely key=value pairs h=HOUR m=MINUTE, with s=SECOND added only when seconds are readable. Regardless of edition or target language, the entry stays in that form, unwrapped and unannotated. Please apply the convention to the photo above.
h=11 m=31
